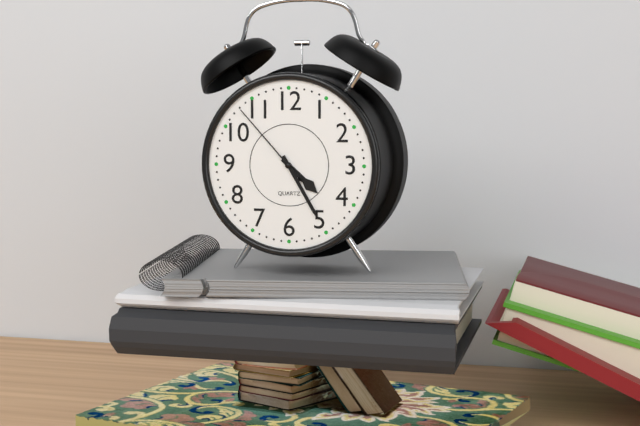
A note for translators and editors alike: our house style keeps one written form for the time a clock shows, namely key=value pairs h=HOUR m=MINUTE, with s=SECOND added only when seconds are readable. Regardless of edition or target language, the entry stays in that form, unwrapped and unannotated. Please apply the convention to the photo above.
h=4 m=25 s=53
